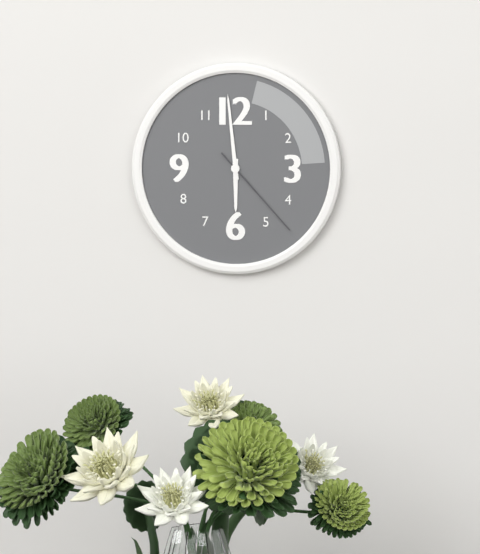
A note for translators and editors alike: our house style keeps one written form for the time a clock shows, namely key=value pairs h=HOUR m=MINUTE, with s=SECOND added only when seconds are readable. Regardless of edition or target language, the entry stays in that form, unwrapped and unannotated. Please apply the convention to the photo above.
h=5 m=59 s=23
